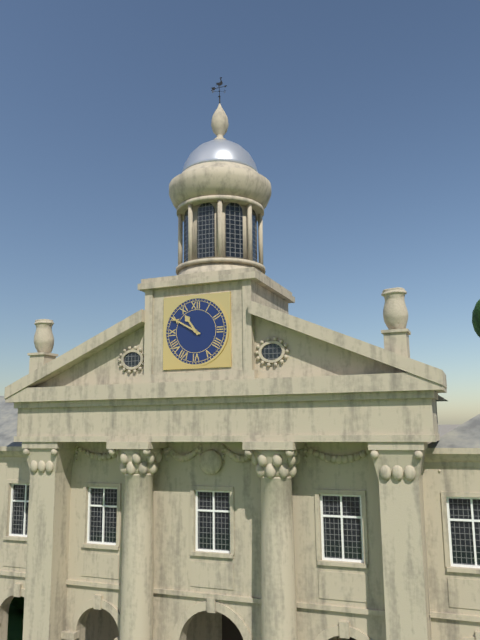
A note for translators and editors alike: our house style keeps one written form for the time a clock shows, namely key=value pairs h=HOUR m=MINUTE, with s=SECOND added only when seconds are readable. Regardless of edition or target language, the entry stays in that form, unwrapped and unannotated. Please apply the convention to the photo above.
h=10 m=50
